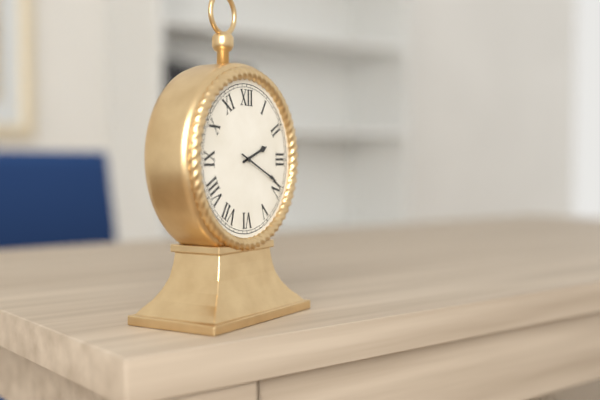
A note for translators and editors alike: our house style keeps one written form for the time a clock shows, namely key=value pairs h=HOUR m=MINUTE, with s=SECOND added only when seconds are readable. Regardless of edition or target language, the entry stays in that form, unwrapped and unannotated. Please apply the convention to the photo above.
h=2 m=19
